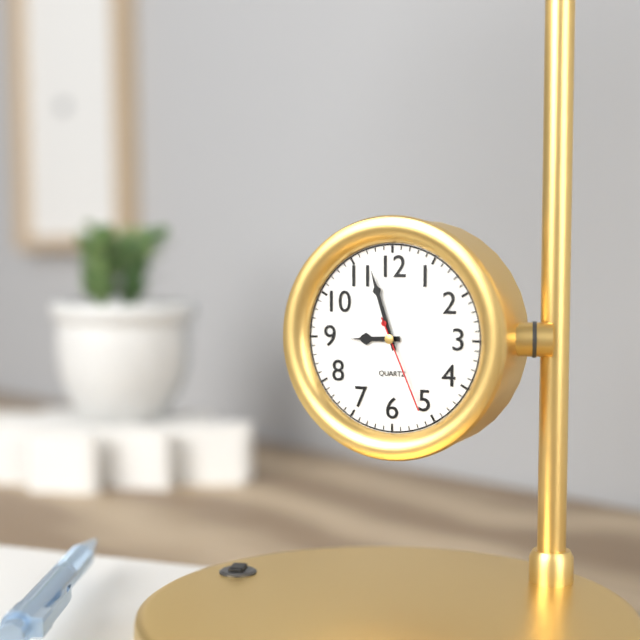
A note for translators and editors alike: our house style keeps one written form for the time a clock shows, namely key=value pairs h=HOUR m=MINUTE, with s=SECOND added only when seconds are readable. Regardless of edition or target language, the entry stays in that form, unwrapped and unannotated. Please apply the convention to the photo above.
h=8 m=57 s=26
